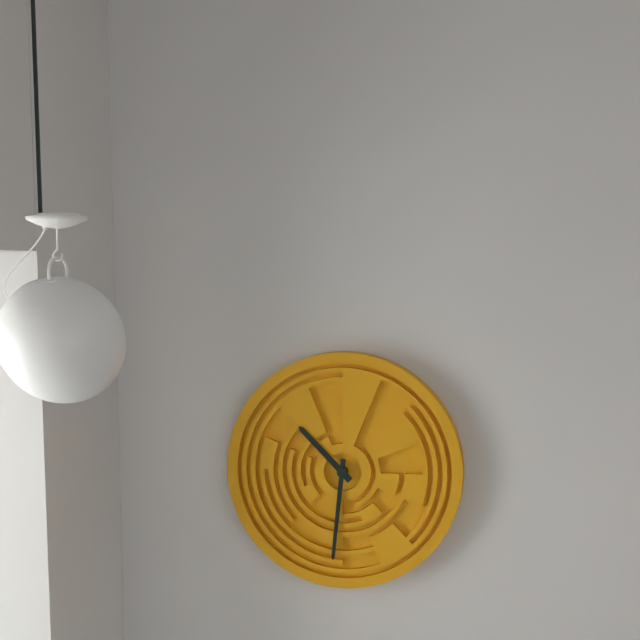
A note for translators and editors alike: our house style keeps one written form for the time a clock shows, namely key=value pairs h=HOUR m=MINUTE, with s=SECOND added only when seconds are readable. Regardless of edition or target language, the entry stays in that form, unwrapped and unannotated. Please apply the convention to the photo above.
h=10 m=31
